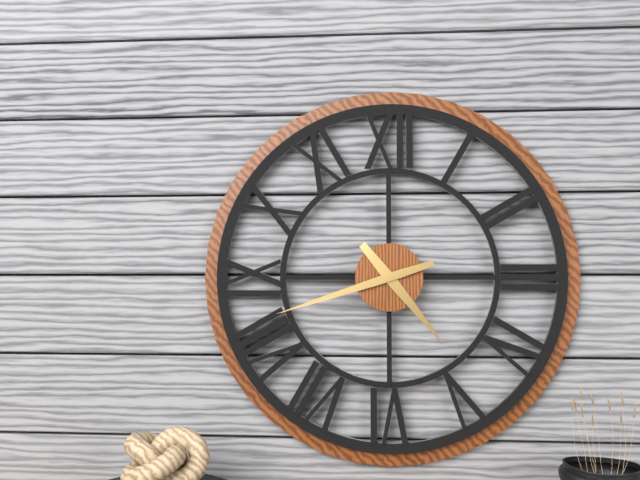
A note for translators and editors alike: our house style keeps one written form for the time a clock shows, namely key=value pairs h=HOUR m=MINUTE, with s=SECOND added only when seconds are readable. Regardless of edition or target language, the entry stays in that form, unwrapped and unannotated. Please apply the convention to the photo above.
h=4 m=42
